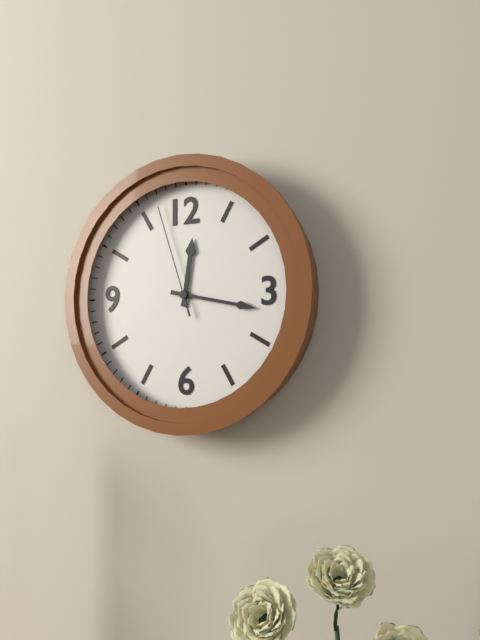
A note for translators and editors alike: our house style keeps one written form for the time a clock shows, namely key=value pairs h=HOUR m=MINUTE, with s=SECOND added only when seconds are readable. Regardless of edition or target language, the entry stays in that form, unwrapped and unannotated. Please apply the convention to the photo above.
h=12 m=17 s=57
